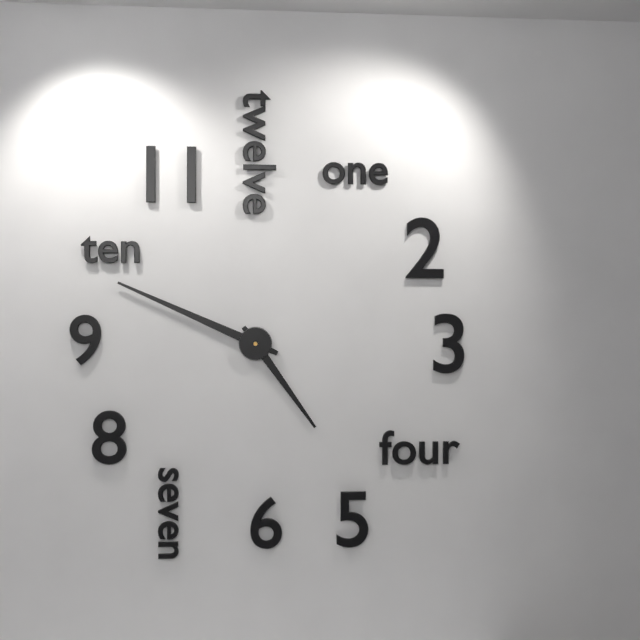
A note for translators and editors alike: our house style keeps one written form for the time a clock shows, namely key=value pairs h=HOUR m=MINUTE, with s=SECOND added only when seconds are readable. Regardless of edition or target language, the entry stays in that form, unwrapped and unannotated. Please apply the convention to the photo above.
h=4 m=49
